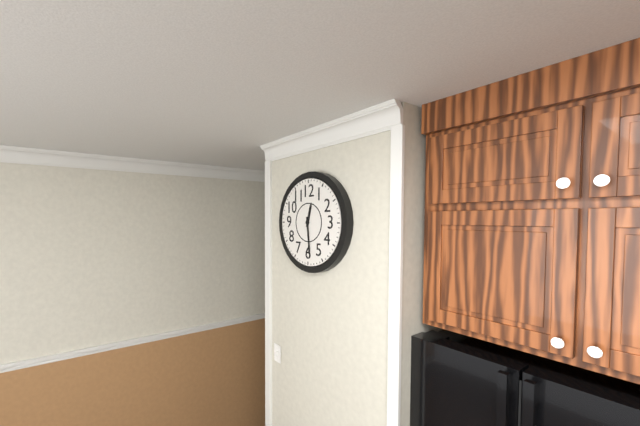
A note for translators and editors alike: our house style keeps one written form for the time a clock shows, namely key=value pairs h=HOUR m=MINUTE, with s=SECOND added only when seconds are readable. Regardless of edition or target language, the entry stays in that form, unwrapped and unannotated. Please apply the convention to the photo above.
h=12 m=29
